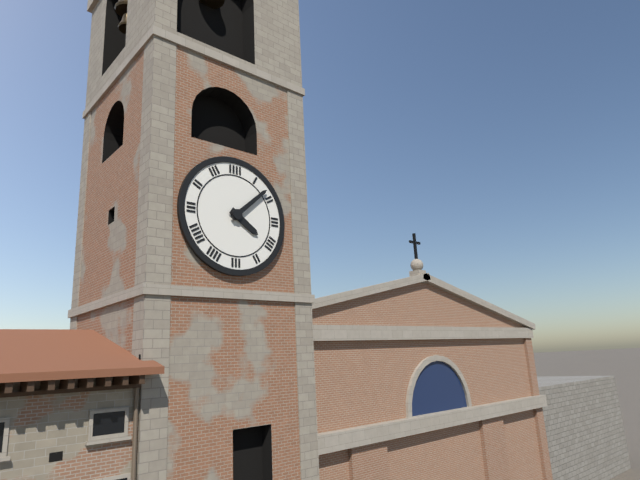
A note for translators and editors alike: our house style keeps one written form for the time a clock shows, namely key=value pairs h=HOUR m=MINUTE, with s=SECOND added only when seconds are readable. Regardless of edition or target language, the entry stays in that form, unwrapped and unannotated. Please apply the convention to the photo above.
h=4 m=8
